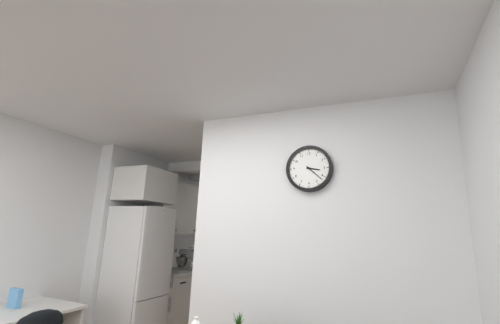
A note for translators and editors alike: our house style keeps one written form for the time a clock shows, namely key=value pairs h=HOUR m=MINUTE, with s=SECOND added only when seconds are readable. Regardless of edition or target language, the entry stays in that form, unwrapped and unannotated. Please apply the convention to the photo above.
h=3 m=22
